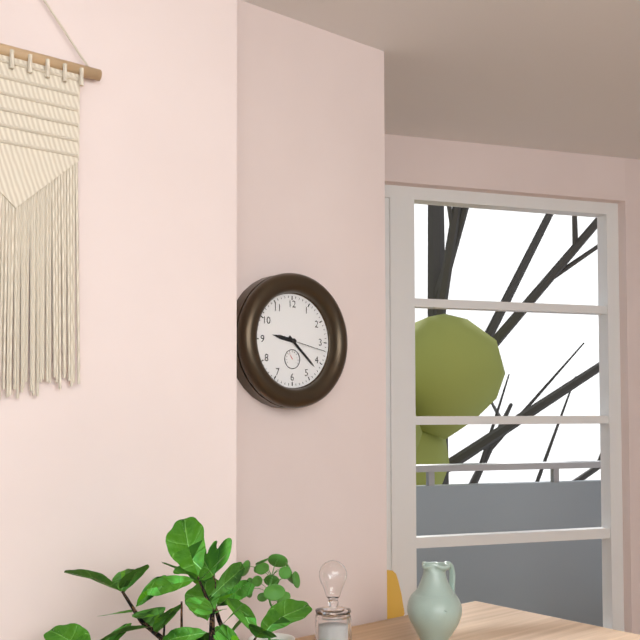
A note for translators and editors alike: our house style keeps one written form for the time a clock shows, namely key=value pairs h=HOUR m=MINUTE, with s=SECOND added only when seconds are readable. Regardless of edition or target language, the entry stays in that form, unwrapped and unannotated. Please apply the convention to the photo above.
h=9 m=22
